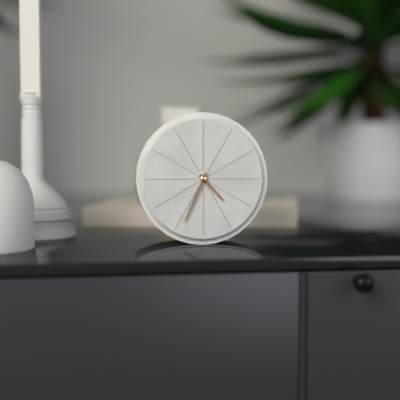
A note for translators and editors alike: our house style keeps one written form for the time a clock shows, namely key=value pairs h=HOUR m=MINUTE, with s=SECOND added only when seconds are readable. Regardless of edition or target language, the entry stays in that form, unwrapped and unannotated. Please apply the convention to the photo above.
h=4 m=34
